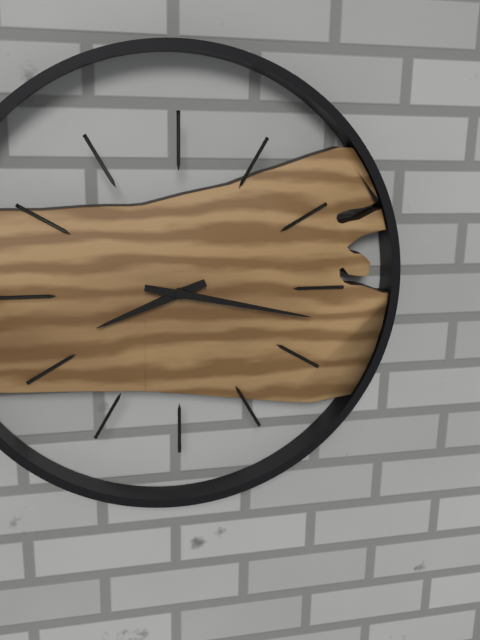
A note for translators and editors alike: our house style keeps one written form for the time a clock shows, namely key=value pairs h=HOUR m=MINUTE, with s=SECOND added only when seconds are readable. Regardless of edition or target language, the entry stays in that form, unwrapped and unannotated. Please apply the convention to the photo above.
h=8 m=17
